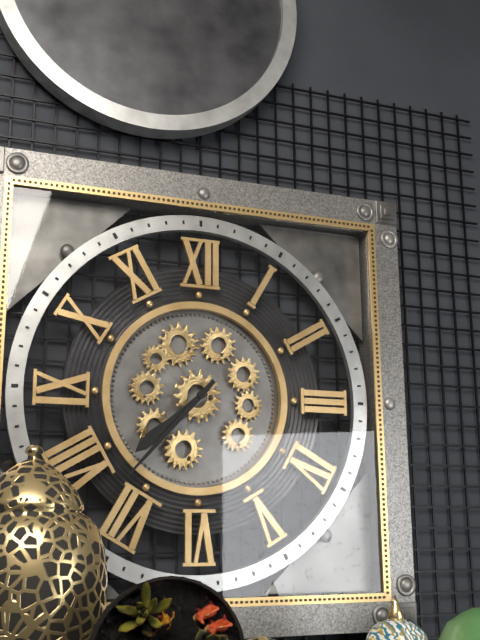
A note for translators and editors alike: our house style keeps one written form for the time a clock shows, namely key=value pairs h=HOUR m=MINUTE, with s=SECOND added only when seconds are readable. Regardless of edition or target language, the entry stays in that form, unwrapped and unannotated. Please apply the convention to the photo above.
h=7 m=37
